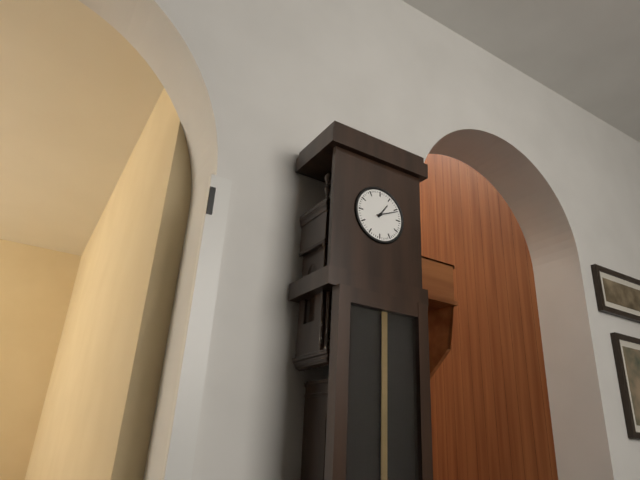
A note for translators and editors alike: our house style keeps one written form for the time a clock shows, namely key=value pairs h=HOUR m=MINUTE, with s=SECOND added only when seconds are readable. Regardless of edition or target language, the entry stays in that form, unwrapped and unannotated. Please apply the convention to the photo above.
h=1 m=11
